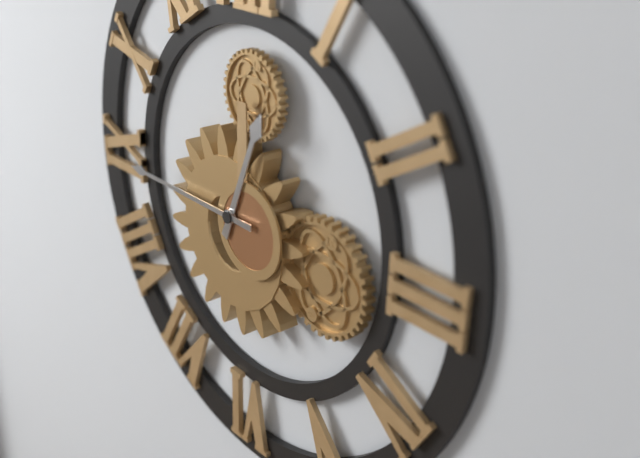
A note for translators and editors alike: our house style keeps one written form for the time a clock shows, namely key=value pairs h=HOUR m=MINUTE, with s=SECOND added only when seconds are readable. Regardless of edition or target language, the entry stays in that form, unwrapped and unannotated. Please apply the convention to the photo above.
h=12 m=45
